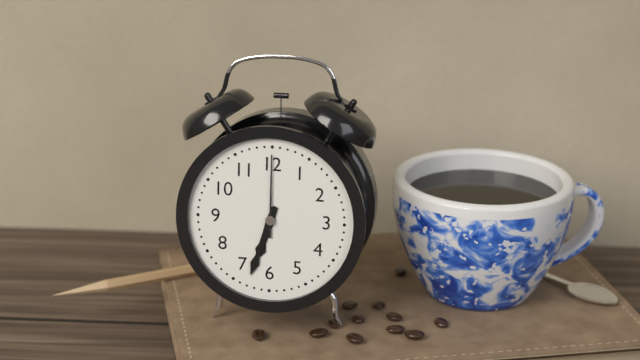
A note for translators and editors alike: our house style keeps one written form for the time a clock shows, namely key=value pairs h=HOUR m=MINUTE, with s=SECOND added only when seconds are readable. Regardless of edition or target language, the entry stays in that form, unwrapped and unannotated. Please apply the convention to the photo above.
h=6 m=33 s=0
